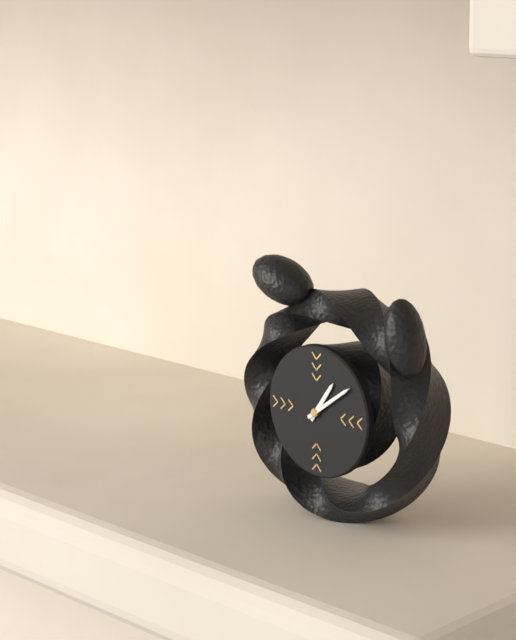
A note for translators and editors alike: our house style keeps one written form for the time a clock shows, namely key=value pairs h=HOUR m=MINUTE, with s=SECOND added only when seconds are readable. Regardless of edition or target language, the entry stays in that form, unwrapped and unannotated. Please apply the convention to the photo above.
h=1 m=9
